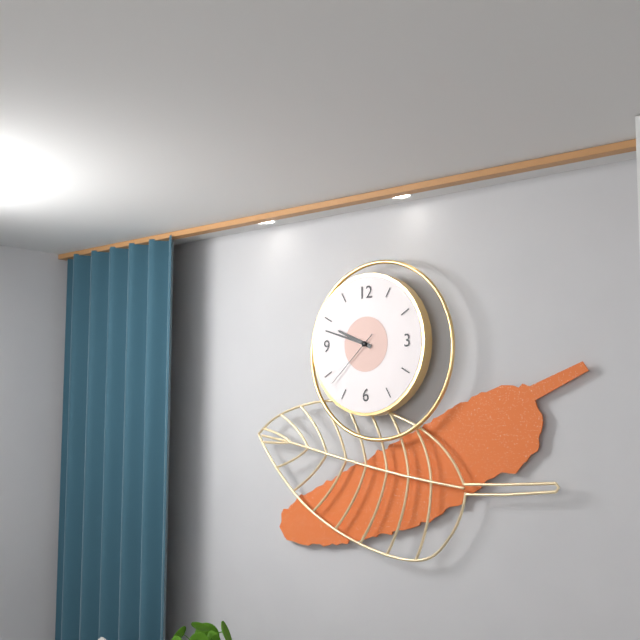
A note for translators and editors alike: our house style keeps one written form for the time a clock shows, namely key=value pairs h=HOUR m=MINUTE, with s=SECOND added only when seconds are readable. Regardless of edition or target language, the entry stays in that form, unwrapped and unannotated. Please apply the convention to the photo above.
h=9 m=48 s=38
